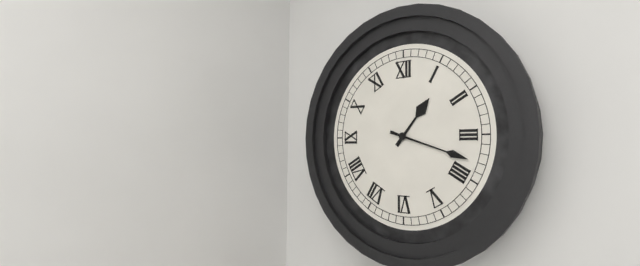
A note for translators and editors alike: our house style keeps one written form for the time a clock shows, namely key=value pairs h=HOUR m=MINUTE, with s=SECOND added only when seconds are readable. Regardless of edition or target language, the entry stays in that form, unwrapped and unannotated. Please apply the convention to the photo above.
h=1 m=18
